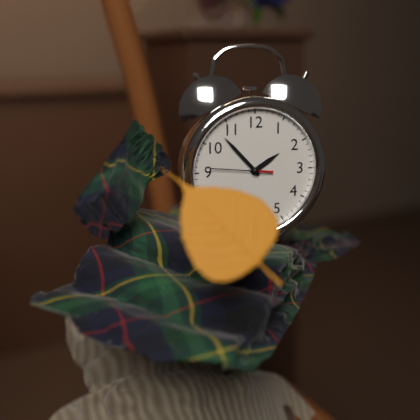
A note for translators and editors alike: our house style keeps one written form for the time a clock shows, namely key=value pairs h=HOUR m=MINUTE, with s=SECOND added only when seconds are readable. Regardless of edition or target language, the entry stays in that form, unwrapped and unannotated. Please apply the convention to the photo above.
h=1 m=53 s=46
